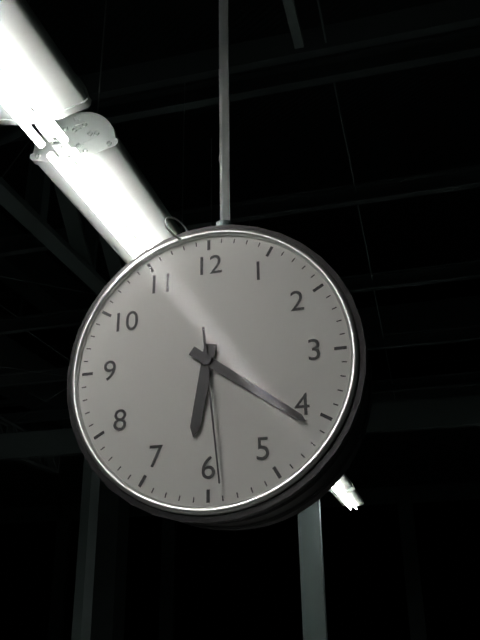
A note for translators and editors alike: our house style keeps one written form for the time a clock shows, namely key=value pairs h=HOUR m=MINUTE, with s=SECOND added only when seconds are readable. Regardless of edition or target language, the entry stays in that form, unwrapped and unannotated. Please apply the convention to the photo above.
h=6 m=21 s=29
